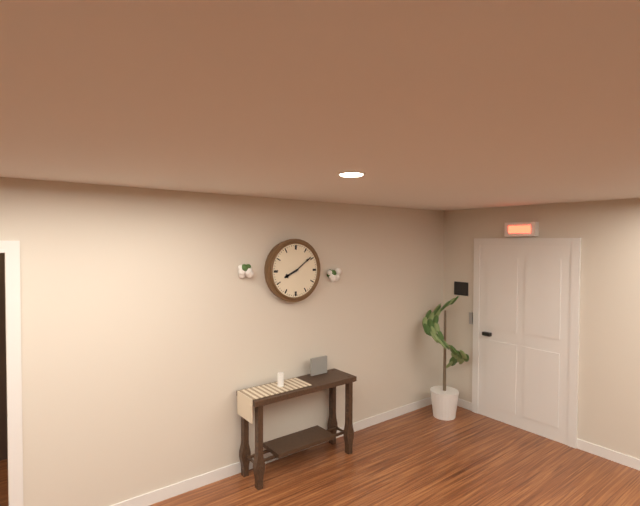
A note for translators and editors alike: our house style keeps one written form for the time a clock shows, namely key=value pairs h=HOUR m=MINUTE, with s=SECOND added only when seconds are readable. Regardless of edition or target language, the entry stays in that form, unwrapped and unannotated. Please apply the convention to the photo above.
h=8 m=9
